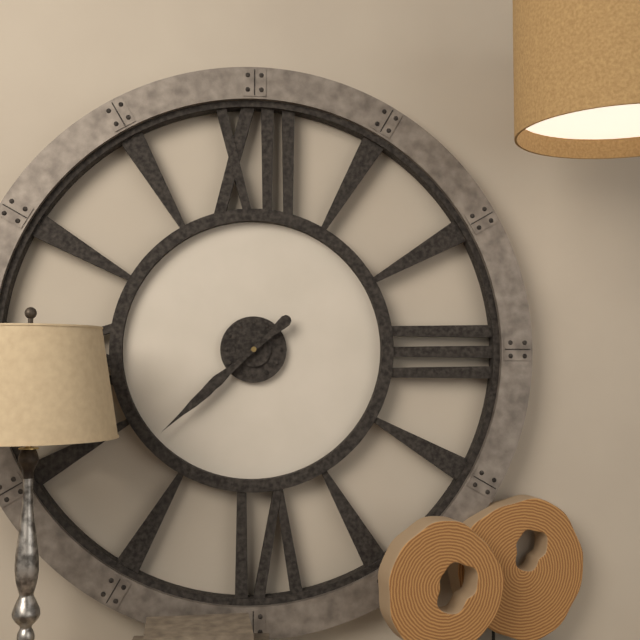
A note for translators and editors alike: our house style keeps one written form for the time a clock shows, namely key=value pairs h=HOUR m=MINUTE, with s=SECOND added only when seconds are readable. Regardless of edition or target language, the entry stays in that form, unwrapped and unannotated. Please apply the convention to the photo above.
h=7 m=38
